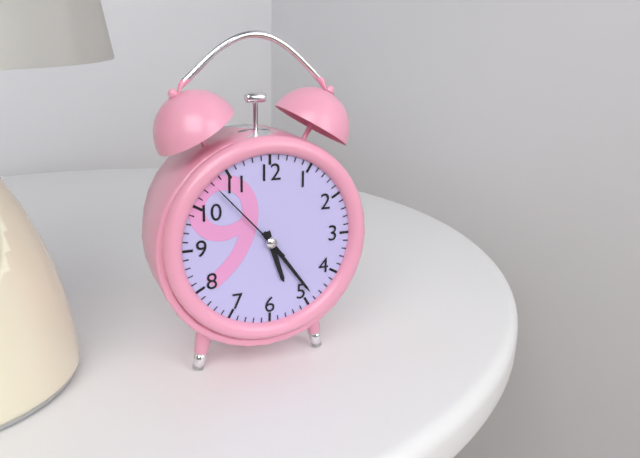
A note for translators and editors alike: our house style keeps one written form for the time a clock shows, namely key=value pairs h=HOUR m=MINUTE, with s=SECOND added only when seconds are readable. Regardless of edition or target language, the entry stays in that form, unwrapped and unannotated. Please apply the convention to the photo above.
h=5 m=24 s=53
